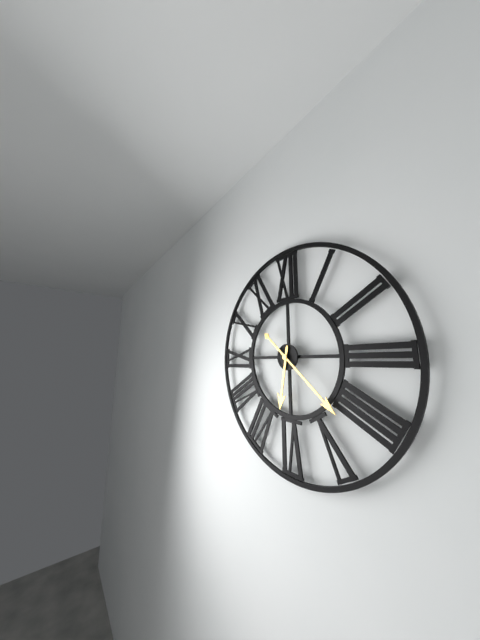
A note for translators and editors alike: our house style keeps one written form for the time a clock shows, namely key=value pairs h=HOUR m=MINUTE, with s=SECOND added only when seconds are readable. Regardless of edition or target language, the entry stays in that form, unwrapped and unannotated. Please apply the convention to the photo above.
h=6 m=22
